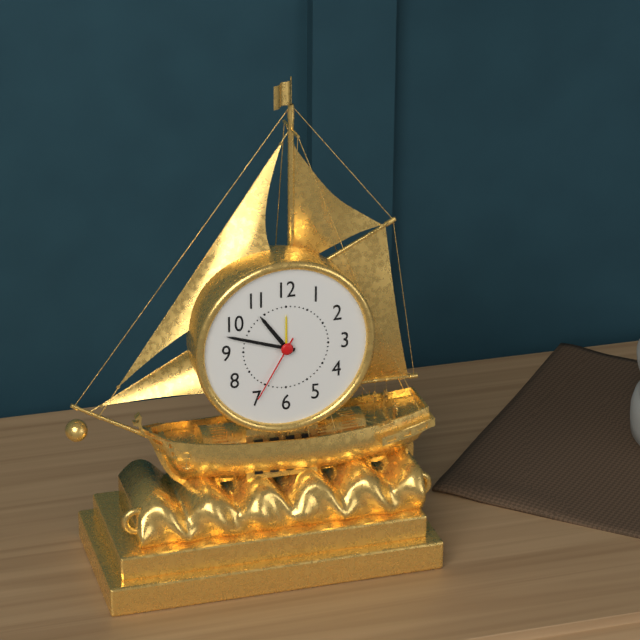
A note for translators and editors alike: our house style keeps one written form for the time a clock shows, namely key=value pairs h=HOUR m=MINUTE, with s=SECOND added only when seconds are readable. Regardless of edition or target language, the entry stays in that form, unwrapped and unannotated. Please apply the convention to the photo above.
h=10 m=48 s=35
